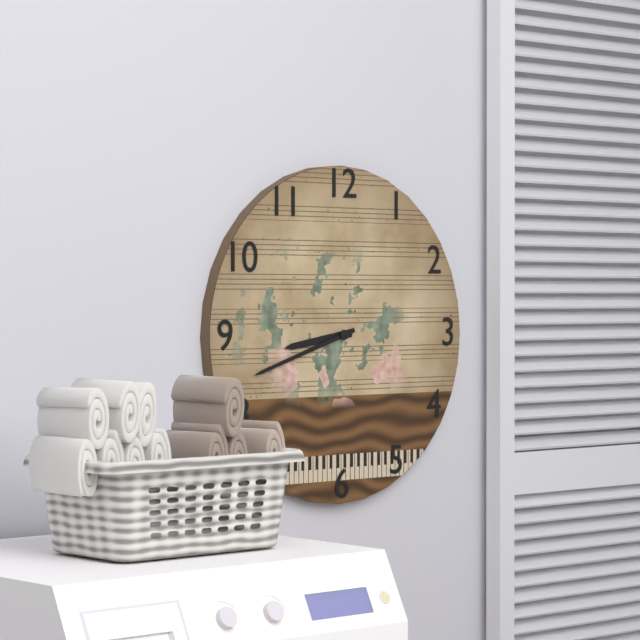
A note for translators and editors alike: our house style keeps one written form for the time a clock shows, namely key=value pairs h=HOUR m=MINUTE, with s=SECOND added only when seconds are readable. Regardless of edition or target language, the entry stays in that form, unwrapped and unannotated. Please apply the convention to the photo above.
h=8 m=42
